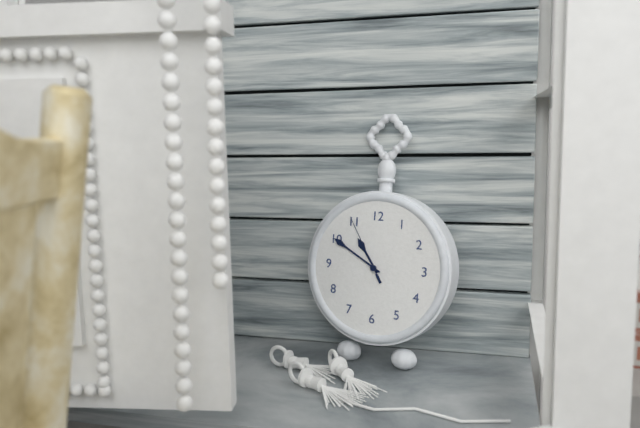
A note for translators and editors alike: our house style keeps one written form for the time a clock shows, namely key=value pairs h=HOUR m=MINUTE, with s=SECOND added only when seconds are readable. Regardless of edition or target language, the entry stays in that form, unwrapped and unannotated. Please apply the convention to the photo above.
h=10 m=50 s=55
